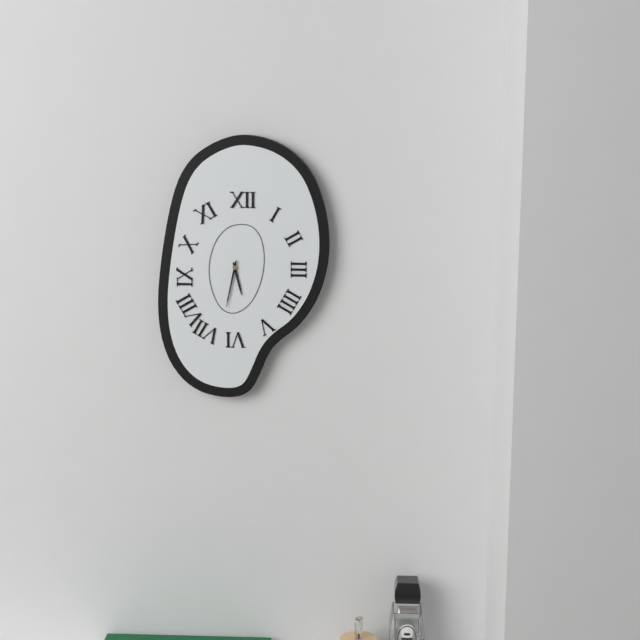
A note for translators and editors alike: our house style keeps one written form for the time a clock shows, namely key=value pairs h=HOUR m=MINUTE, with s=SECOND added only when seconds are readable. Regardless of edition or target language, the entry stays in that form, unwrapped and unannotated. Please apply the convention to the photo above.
h=5 m=32
